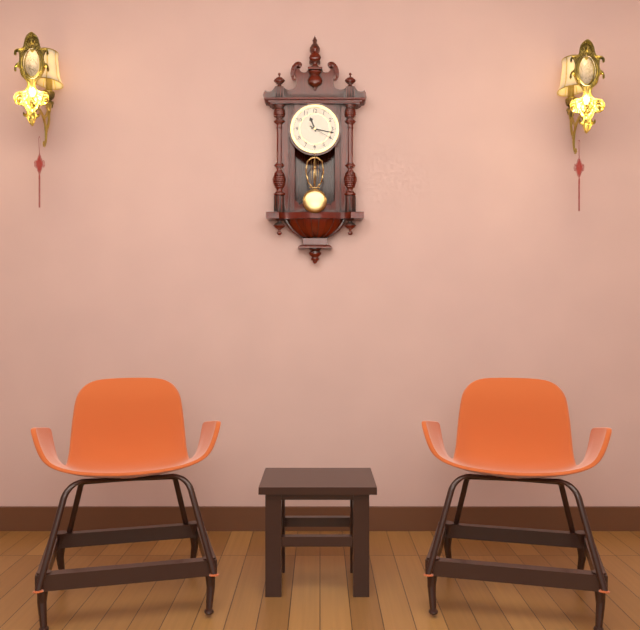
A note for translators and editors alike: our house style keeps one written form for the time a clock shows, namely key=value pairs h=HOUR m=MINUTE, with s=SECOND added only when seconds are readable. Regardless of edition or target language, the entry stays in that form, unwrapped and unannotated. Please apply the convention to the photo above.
h=11 m=17
